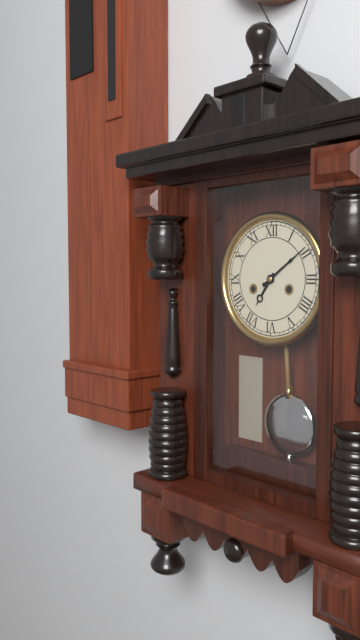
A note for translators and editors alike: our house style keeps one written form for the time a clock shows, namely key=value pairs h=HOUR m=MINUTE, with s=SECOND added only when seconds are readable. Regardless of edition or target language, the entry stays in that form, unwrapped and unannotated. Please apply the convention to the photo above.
h=7 m=9
